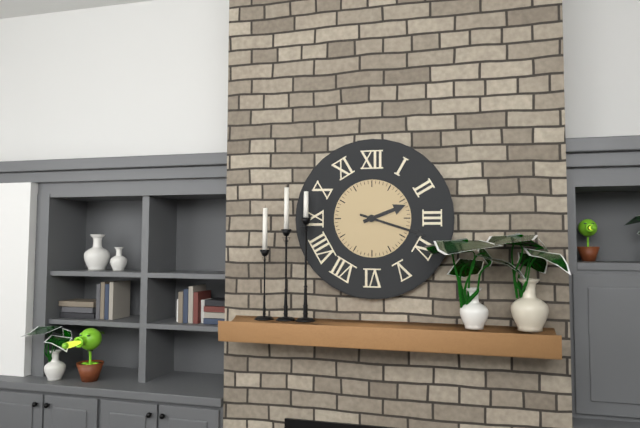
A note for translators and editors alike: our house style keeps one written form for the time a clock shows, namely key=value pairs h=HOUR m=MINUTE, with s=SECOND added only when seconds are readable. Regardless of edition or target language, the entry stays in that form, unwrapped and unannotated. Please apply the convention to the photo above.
h=2 m=18
